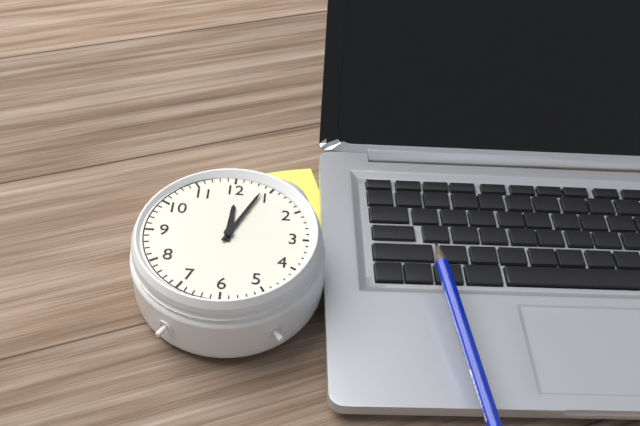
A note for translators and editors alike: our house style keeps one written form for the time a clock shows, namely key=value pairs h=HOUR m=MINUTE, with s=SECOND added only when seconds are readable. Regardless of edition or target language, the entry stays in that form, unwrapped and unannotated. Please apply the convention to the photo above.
h=12 m=4
